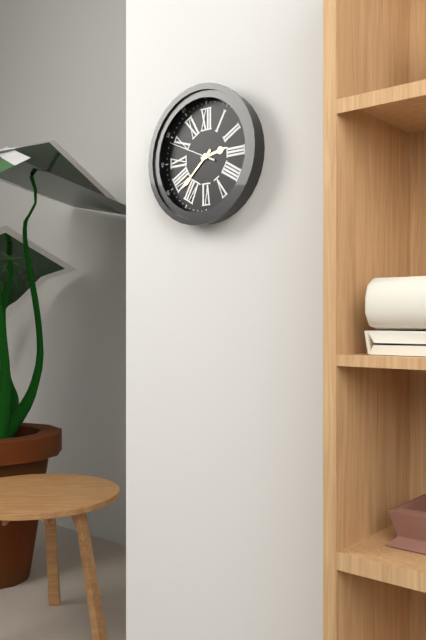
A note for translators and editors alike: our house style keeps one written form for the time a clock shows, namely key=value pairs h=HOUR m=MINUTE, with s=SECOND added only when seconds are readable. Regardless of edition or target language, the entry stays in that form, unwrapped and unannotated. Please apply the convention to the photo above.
h=2 m=38
